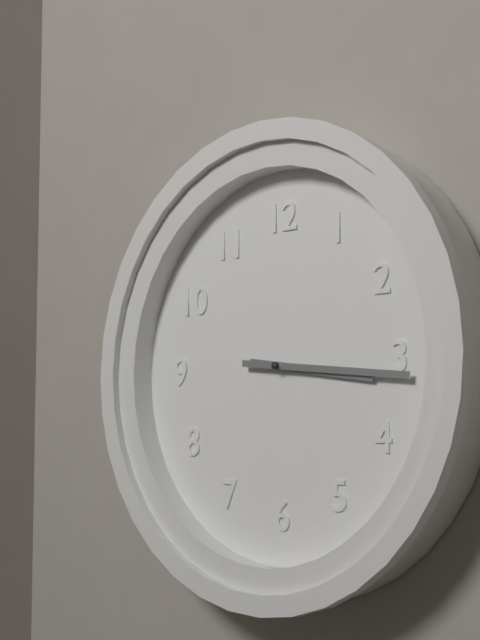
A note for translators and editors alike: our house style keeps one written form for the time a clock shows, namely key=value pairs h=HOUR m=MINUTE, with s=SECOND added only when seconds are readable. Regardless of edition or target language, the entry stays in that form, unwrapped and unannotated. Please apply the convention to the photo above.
h=3 m=16
